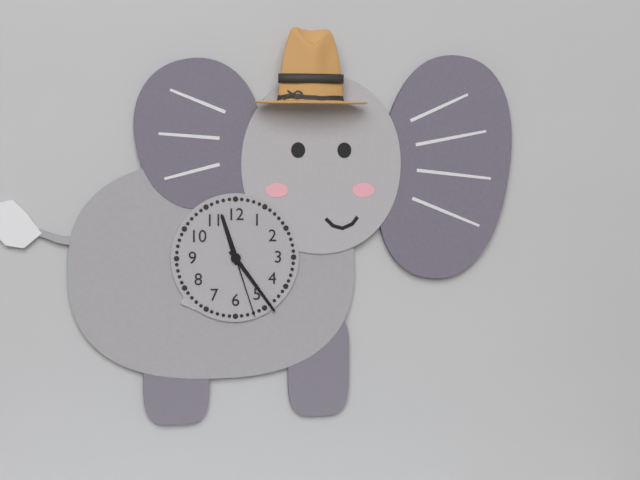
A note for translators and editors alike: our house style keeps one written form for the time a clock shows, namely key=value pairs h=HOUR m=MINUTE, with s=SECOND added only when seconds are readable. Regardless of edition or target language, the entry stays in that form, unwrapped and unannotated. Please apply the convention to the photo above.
h=11 m=24 s=27
